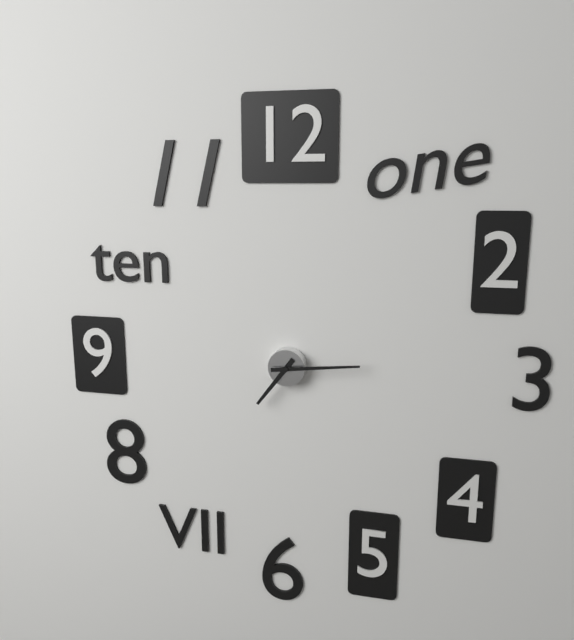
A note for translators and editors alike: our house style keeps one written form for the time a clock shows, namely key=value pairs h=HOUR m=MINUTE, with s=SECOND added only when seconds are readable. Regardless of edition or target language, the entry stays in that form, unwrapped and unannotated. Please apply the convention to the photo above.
h=7 m=14
